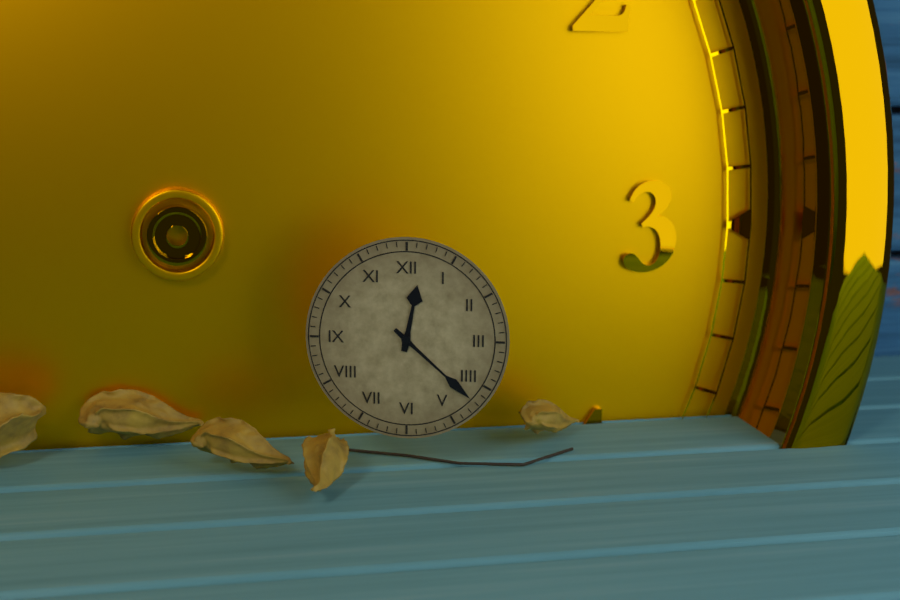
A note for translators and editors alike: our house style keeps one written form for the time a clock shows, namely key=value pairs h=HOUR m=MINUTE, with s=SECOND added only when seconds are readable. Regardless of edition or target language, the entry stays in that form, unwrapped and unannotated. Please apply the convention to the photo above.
h=12 m=22
